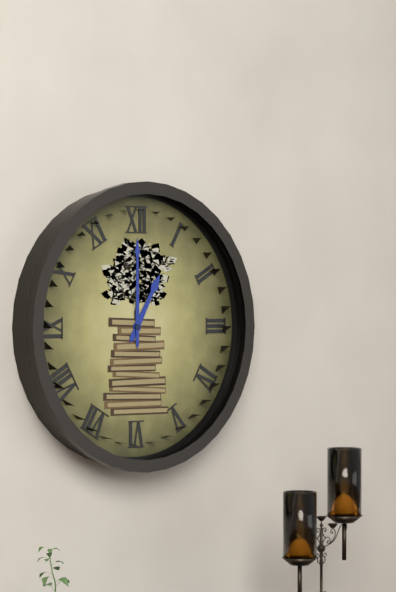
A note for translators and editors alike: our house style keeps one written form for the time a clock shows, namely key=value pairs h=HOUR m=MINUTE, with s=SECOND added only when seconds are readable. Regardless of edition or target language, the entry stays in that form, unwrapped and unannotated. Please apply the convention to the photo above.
h=1 m=0
